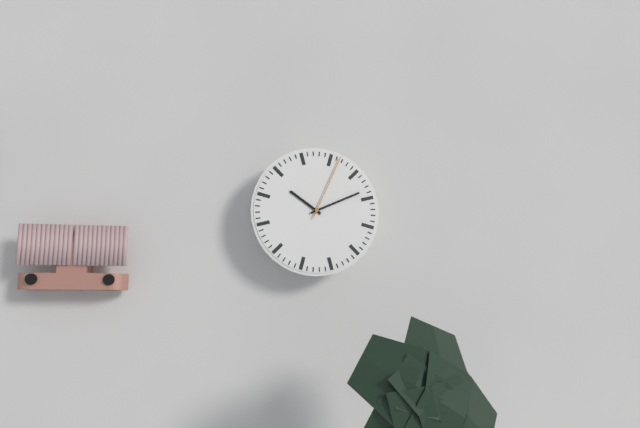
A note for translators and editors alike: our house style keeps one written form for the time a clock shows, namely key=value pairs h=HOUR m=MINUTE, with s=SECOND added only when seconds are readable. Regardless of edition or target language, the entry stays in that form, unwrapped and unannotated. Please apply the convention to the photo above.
h=10 m=11 s=4
